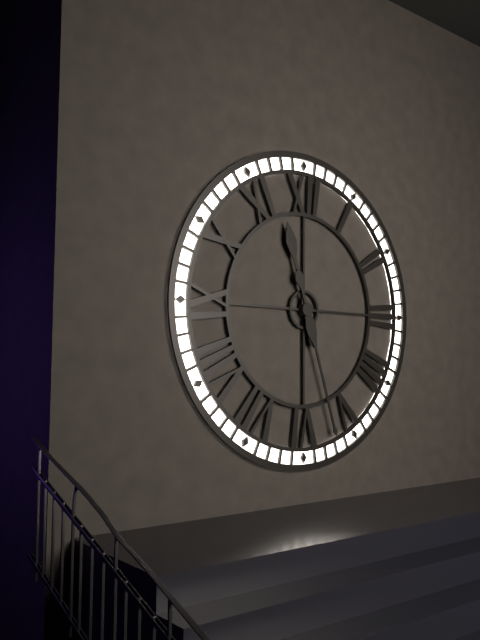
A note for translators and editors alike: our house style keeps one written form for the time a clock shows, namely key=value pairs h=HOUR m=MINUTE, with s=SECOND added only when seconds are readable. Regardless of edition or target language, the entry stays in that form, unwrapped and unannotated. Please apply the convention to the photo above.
h=11 m=27
